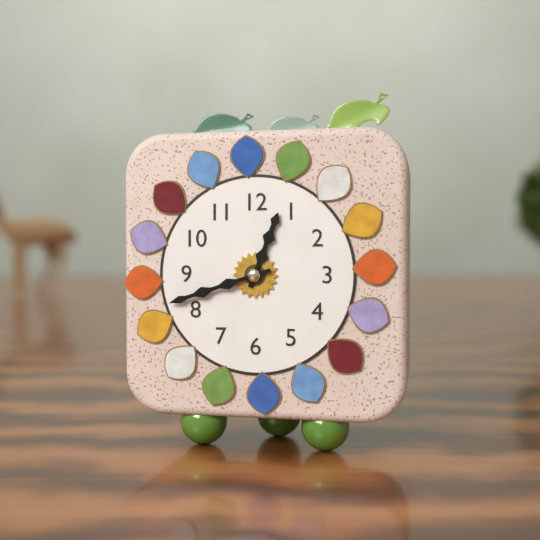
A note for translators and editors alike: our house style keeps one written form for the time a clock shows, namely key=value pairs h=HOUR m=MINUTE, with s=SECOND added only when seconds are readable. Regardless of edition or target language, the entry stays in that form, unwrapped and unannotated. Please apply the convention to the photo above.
h=12 m=42
